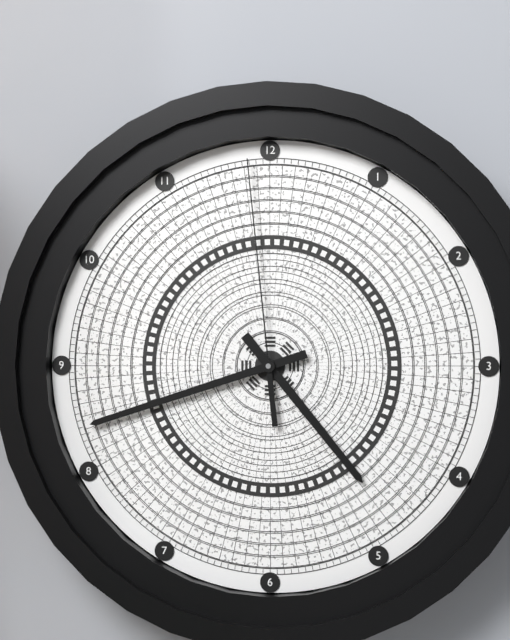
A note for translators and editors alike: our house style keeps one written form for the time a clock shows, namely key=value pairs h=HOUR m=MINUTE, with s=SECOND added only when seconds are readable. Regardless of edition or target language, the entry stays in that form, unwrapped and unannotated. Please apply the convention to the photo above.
h=4 m=42 s=59
